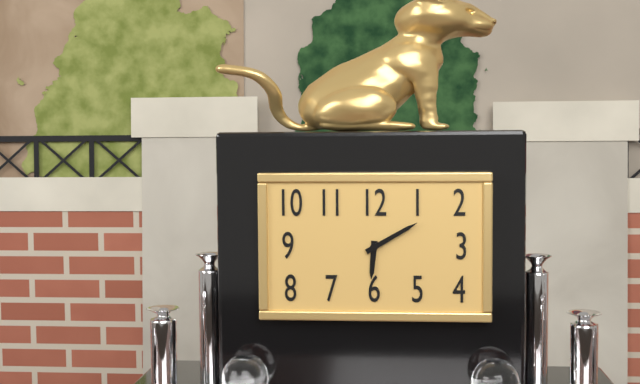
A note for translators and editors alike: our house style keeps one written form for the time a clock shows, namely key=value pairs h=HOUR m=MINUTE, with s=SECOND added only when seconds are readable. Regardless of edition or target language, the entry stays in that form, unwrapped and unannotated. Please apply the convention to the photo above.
h=6 m=10
